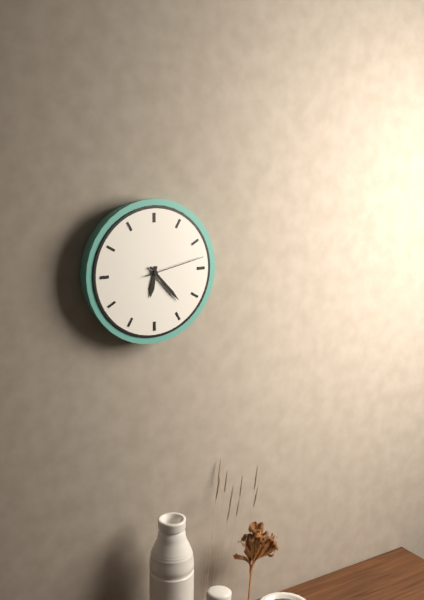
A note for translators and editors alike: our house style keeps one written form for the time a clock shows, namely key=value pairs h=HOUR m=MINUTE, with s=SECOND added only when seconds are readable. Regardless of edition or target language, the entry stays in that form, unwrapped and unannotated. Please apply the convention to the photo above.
h=6 m=23 s=13
